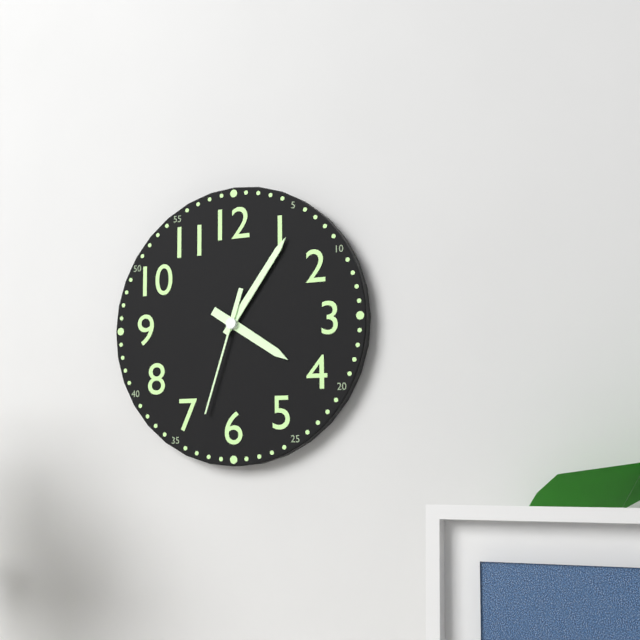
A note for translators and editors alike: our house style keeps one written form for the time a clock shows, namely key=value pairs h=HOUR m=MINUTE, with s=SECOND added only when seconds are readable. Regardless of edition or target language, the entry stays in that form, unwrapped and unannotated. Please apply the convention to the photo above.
h=4 m=6 s=33
